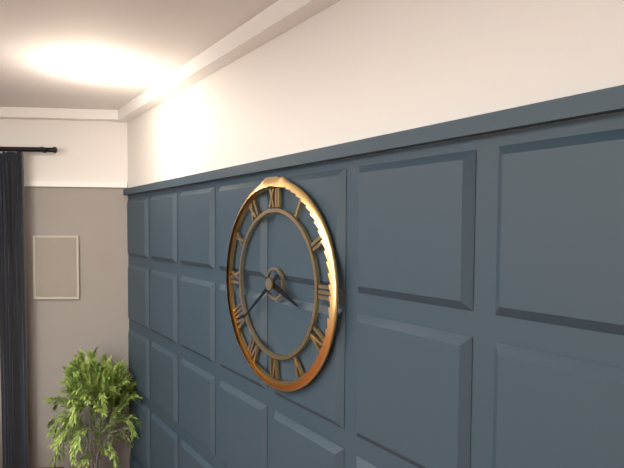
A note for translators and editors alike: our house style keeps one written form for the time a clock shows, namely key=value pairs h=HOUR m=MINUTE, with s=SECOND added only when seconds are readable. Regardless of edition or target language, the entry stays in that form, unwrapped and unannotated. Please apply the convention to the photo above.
h=3 m=39
